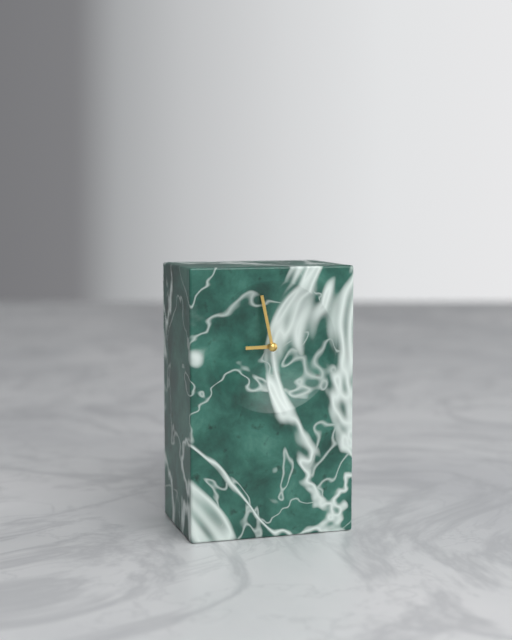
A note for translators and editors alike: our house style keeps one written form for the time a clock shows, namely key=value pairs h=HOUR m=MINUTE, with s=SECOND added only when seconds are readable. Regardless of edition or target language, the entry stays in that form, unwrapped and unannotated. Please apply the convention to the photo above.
h=8 m=58
